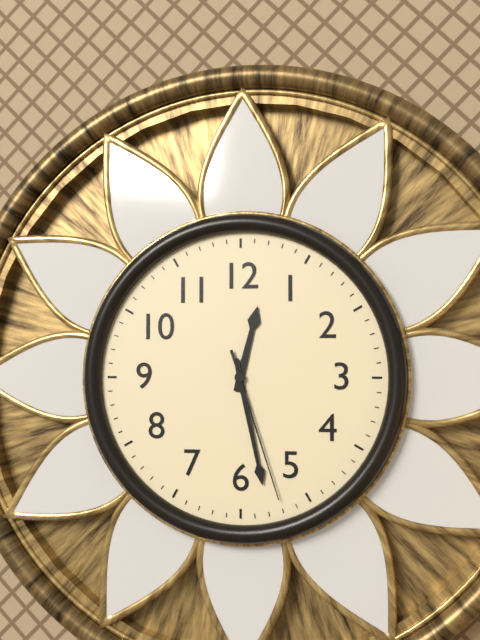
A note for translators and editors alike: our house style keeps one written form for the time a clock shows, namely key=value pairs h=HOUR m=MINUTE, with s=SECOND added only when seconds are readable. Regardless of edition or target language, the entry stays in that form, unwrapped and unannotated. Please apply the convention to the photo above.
h=12 m=28 s=27
